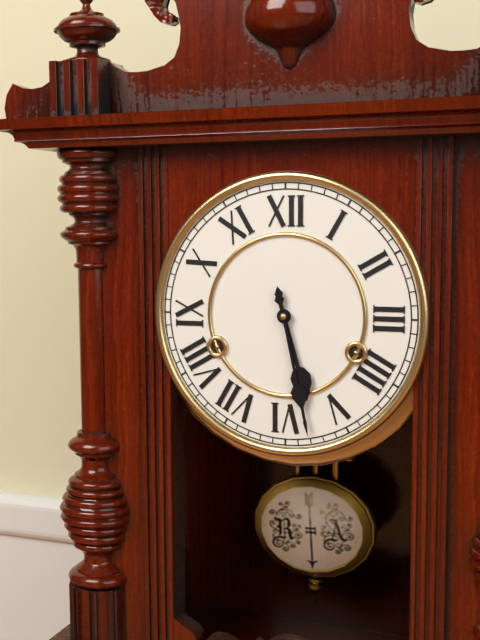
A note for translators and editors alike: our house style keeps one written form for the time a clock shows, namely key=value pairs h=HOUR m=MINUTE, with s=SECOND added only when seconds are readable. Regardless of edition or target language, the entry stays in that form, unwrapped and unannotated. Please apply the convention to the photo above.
h=5 m=28
